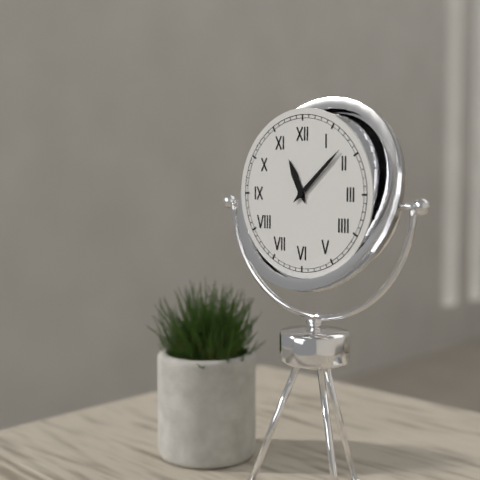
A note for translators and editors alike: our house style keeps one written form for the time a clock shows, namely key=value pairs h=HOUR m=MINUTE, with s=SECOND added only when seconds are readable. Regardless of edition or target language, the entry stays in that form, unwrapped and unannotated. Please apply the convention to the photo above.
h=11 m=8
